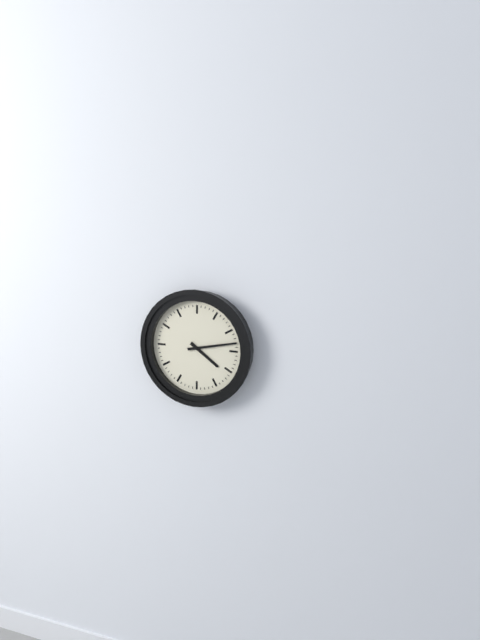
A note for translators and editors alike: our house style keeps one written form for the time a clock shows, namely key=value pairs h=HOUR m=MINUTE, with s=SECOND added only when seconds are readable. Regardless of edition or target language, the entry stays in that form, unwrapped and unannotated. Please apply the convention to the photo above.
h=4 m=13
